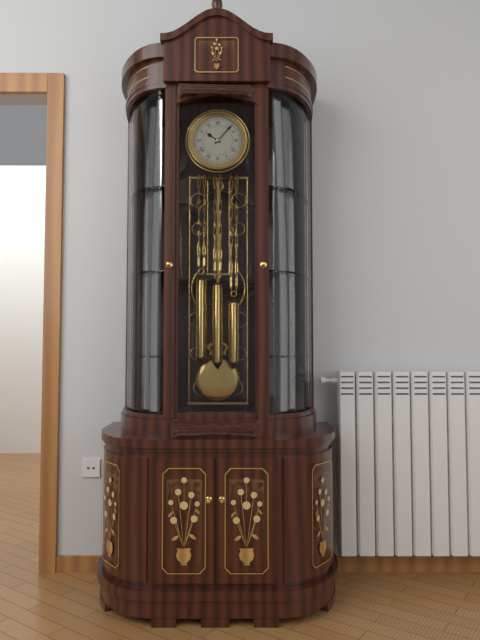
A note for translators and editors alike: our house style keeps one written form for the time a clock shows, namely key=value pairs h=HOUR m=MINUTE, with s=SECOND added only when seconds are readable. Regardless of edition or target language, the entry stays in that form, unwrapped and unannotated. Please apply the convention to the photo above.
h=10 m=7
